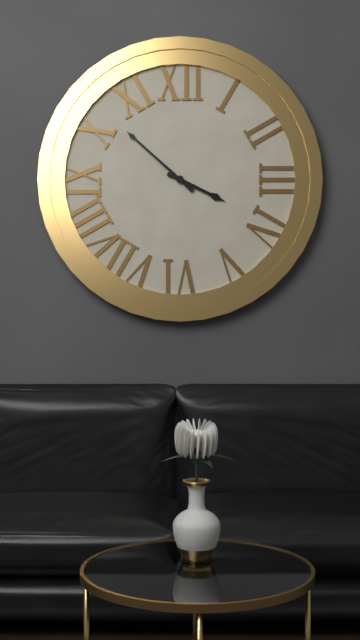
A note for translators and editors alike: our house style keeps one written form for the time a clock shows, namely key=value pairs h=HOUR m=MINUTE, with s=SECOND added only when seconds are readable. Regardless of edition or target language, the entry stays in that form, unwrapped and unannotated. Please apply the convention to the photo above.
h=3 m=52
